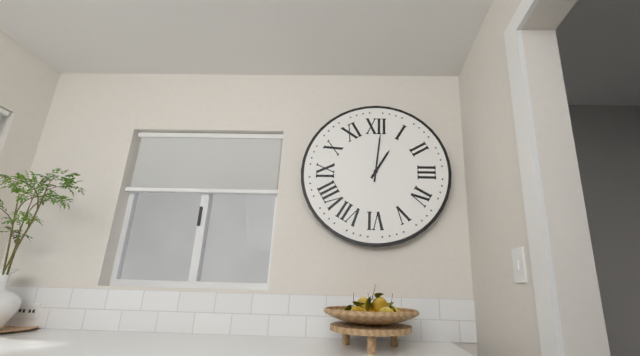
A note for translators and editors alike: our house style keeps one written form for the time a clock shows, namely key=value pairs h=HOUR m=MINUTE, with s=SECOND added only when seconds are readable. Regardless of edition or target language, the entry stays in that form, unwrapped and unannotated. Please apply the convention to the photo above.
h=1 m=1
